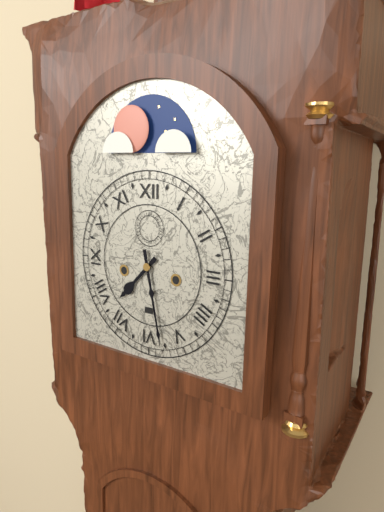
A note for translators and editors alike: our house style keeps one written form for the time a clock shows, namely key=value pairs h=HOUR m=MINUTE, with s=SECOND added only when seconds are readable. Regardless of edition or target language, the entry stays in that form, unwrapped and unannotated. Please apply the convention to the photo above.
h=7 m=28
